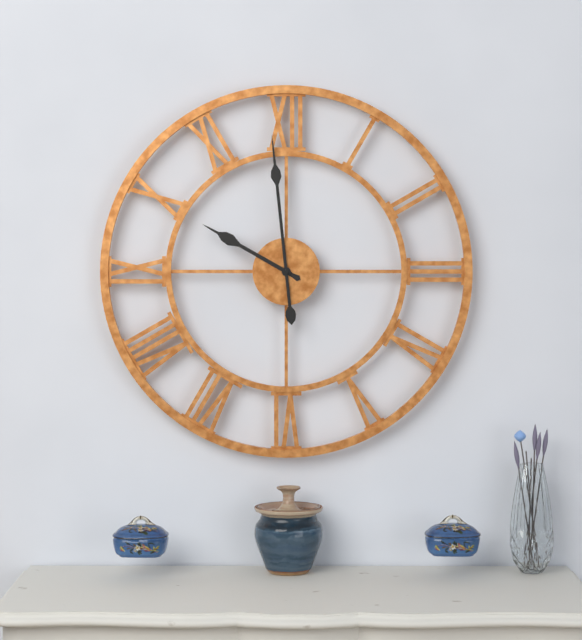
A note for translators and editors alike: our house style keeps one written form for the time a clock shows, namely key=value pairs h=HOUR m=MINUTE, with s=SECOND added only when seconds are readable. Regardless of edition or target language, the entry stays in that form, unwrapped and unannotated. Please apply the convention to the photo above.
h=9 m=59
